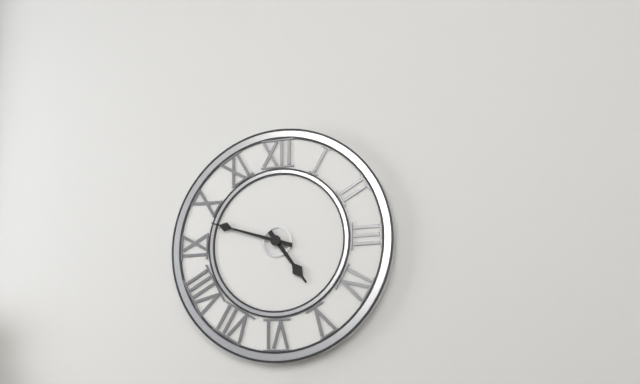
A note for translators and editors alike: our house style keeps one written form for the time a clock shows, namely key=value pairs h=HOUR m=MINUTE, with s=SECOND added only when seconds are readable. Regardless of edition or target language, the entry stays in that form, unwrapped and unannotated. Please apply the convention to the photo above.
h=4 m=48
